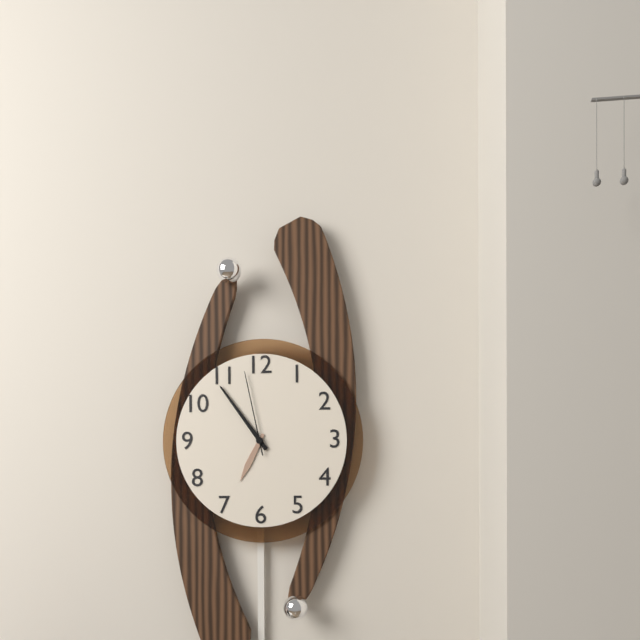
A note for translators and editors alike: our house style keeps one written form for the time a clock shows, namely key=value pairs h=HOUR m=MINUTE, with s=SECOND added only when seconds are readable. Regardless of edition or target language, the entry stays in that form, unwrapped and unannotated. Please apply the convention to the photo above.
h=6 m=54 s=58
